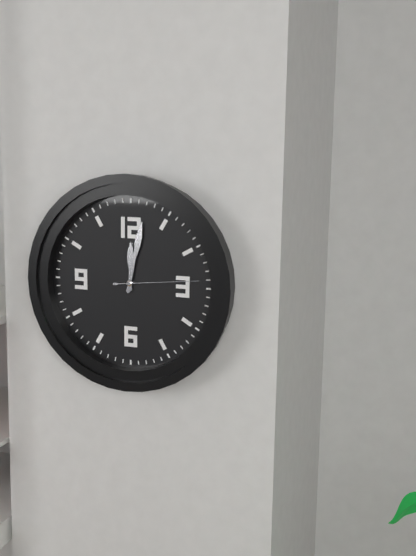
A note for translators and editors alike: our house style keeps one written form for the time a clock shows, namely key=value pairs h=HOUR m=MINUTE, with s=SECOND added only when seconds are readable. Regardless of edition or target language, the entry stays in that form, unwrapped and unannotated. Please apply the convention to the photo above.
h=12 m=2 s=14
